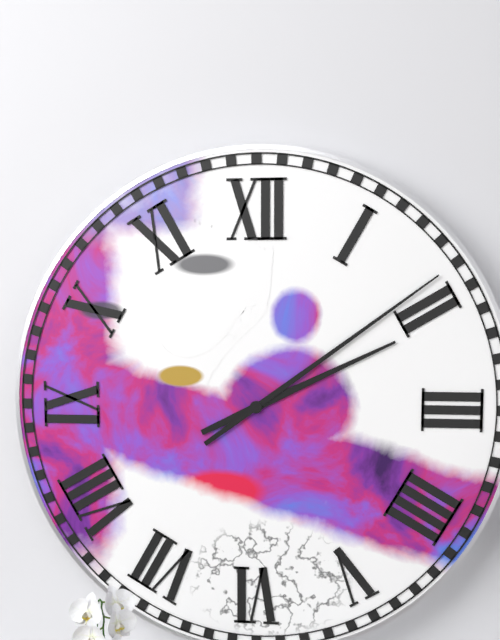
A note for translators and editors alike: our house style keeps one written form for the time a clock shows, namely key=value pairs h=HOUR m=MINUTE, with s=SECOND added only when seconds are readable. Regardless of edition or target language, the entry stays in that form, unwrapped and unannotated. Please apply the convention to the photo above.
h=2 m=9
